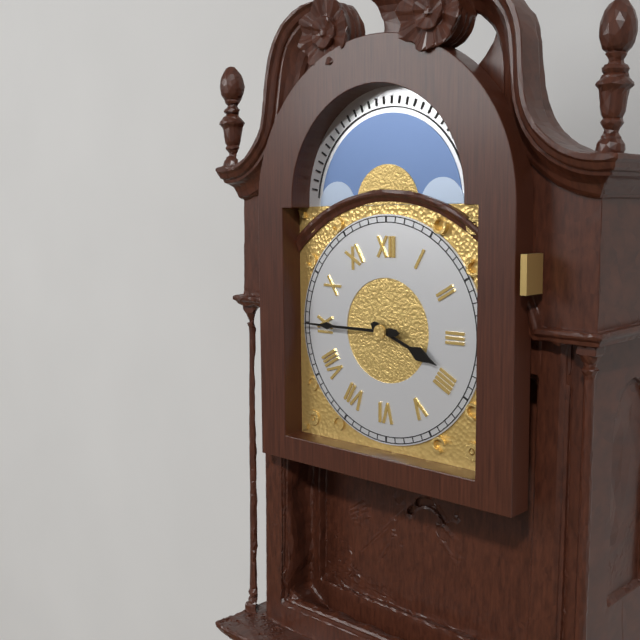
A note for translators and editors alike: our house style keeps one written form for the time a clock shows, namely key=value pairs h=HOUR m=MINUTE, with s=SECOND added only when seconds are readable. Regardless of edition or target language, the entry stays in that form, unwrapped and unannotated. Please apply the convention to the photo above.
h=3 m=45
